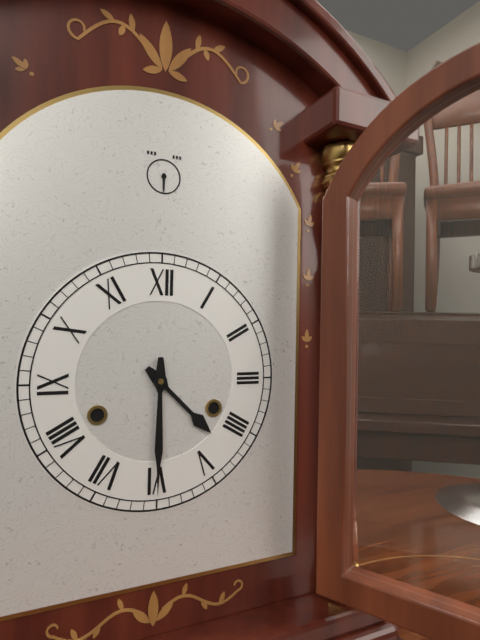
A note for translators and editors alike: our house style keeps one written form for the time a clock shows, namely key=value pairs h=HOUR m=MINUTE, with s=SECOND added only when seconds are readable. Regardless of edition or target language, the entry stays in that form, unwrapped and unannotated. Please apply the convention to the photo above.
h=4 m=30
